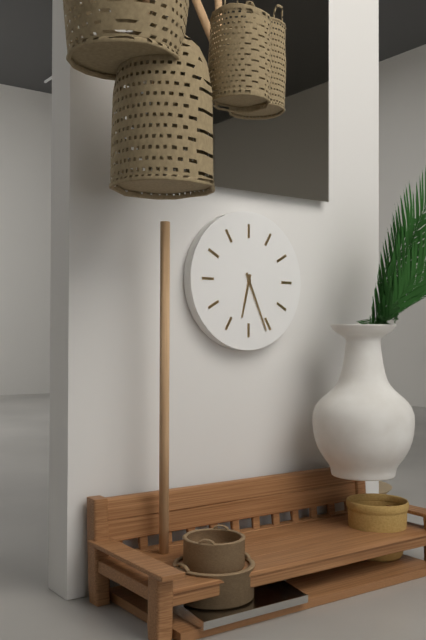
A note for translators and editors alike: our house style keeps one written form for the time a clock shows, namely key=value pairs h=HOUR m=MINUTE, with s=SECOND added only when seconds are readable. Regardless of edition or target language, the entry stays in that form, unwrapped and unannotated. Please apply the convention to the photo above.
h=6 m=26
